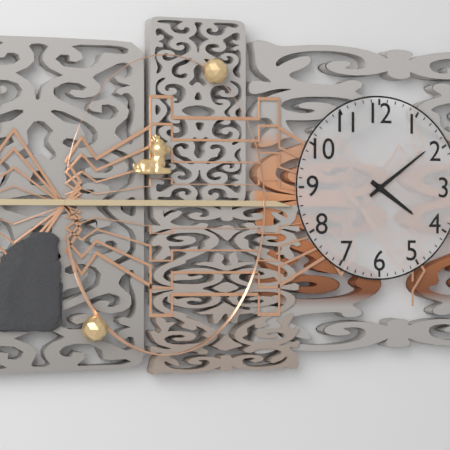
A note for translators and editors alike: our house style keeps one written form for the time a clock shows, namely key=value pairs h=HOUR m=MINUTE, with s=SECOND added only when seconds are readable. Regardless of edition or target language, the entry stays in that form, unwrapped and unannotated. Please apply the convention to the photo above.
h=4 m=9
